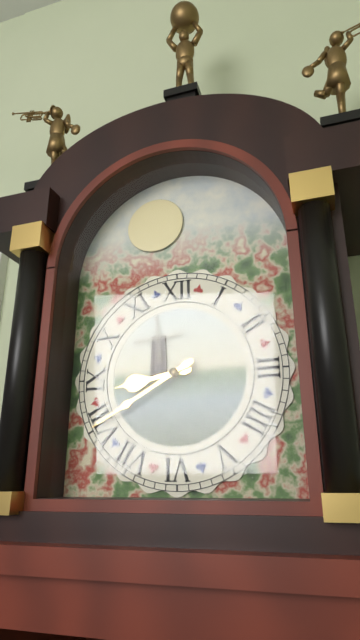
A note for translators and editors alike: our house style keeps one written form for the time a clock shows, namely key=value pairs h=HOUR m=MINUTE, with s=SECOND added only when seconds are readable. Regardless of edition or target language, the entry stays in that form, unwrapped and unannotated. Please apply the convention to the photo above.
h=8 m=40
